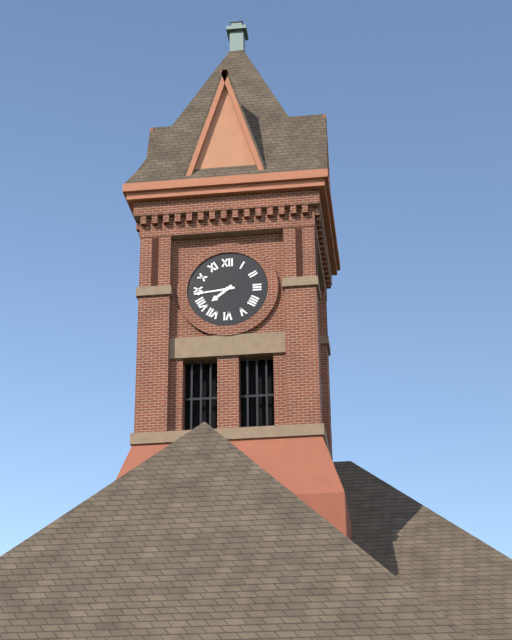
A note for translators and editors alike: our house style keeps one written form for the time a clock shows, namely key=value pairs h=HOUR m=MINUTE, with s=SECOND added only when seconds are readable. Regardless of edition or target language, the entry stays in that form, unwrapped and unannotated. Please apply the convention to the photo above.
h=7 m=44
